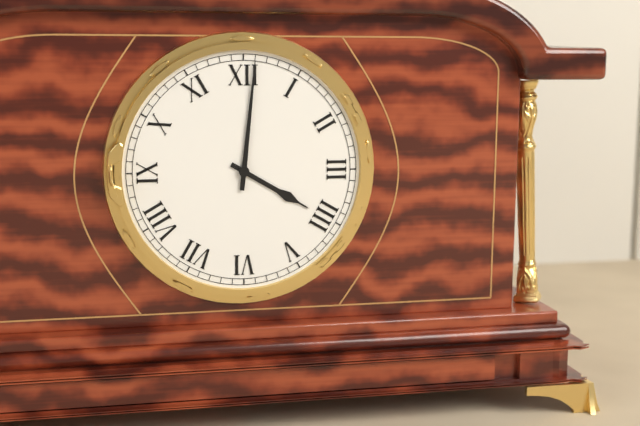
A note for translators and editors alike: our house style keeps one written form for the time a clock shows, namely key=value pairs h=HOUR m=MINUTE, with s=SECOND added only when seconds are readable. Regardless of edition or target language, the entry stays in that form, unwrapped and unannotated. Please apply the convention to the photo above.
h=4 m=1
